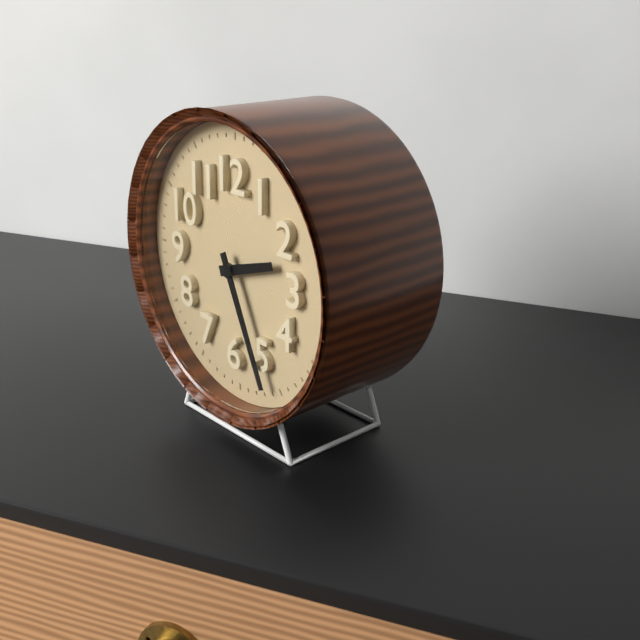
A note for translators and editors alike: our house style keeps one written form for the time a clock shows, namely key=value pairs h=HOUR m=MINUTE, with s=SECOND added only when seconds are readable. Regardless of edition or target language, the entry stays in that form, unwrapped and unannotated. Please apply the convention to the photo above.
h=2 m=26
